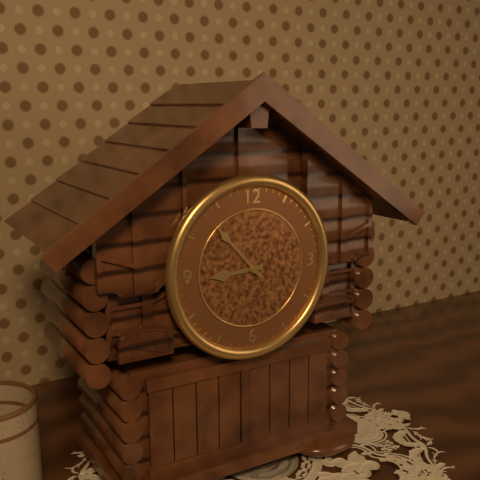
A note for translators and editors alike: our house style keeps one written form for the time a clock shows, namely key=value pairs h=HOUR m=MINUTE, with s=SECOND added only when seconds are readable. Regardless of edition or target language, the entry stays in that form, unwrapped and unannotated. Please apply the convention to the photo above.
h=8 m=53
